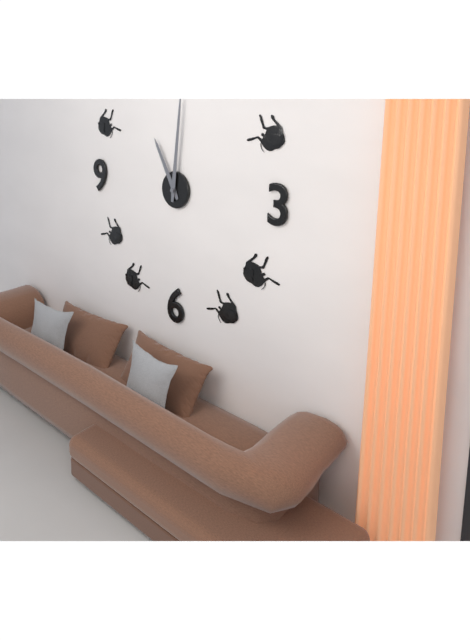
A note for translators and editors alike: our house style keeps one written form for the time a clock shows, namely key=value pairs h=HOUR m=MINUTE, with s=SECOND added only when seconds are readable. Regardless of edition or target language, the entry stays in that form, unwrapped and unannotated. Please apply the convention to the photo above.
h=11 m=1
